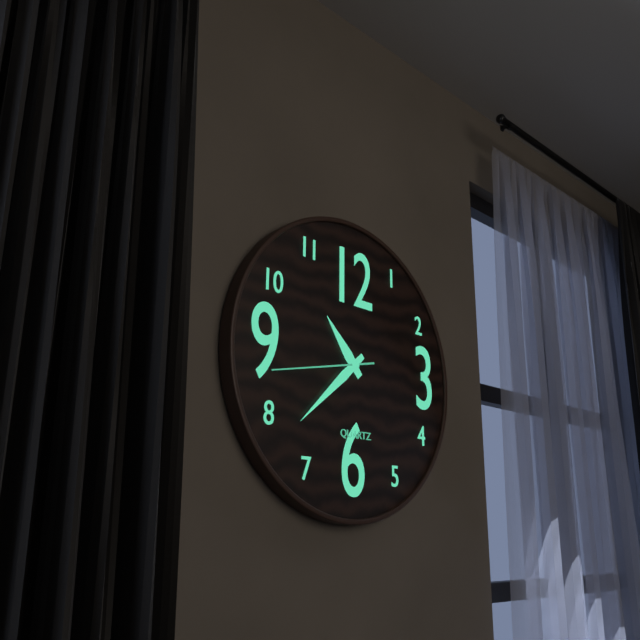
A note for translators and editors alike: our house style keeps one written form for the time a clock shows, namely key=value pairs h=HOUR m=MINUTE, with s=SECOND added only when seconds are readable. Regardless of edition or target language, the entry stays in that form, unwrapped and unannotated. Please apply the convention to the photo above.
h=10 m=38 s=43
